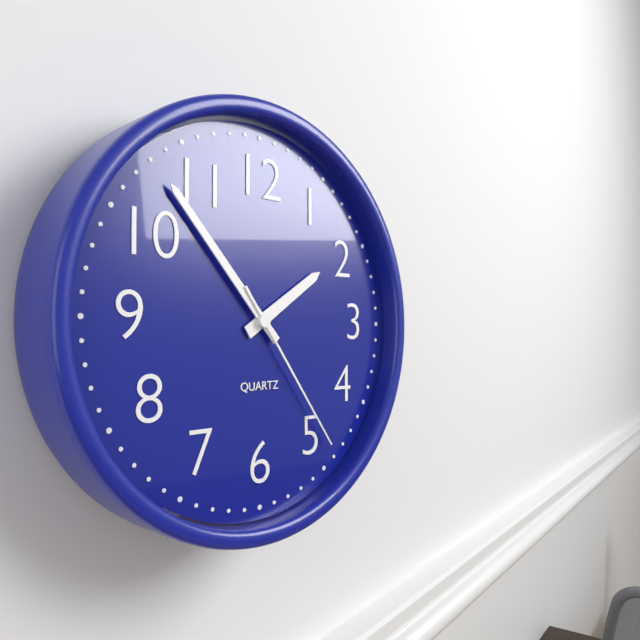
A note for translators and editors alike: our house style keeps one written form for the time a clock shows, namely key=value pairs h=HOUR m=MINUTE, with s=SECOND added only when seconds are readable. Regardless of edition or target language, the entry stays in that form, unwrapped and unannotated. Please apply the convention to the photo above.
h=1 m=53 s=24
